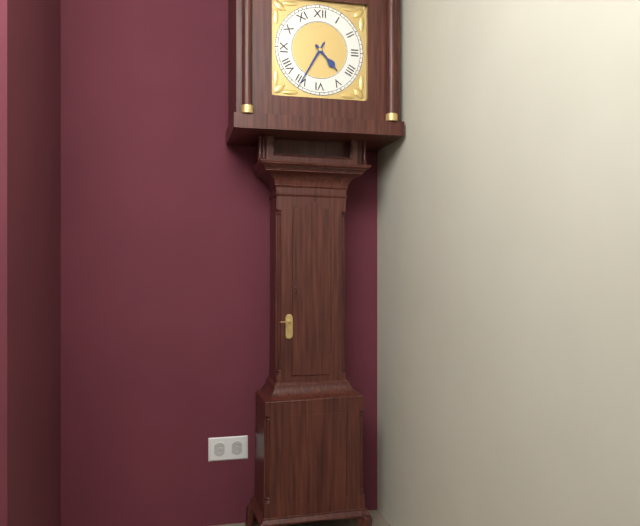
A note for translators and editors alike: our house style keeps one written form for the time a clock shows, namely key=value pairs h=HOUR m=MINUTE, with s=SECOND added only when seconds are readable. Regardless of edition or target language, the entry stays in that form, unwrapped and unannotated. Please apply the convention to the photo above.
h=4 m=35
